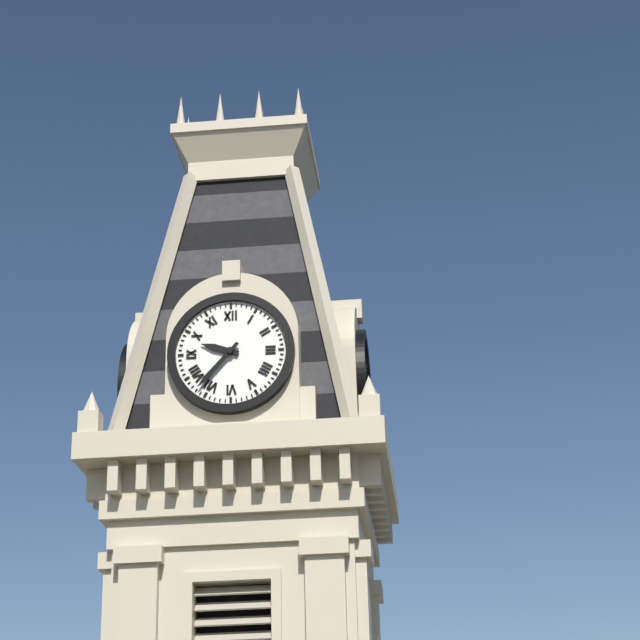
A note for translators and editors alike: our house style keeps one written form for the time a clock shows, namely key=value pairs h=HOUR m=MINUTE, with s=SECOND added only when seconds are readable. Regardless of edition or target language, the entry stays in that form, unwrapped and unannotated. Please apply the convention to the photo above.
h=9 m=37
